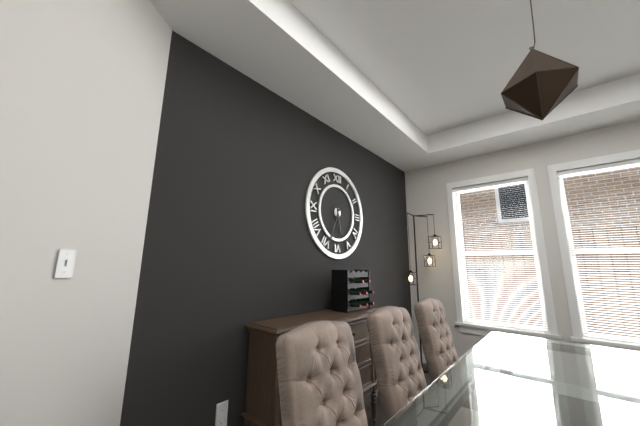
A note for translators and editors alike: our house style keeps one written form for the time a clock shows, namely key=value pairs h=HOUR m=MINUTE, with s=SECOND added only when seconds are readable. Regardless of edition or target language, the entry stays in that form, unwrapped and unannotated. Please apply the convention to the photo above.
h=5 m=34
